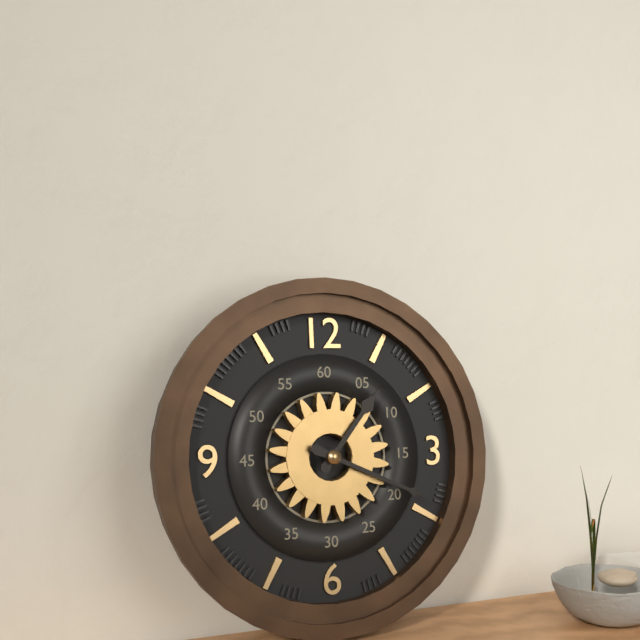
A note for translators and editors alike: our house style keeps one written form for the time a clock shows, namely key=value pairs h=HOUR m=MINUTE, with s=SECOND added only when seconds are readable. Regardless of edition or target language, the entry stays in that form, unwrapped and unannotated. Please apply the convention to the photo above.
h=1 m=19
